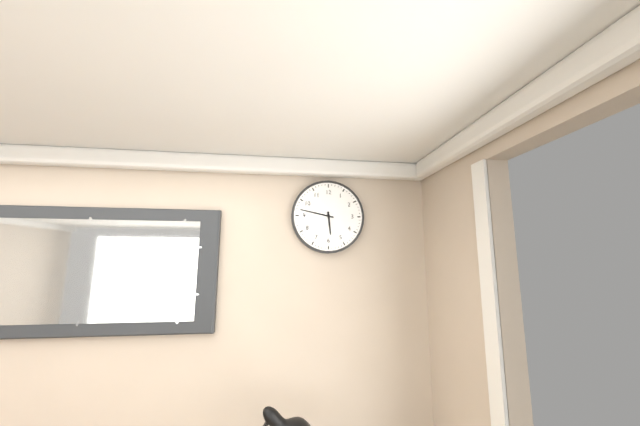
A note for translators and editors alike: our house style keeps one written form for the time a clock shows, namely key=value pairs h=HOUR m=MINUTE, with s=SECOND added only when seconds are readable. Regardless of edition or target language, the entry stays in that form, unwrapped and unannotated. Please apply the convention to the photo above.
h=5 m=47
